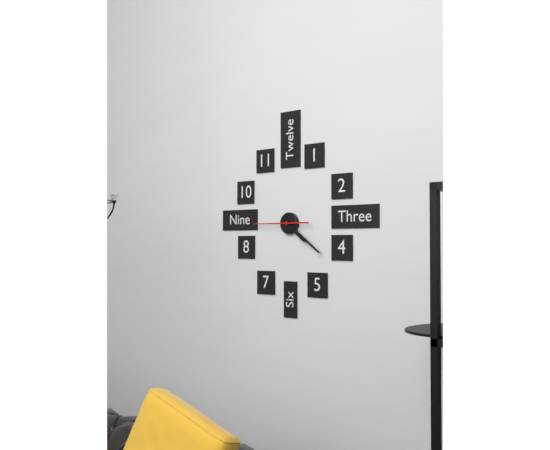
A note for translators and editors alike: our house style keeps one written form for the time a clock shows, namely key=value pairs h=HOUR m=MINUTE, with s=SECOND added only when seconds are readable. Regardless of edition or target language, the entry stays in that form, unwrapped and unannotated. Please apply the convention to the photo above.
h=4 m=21
